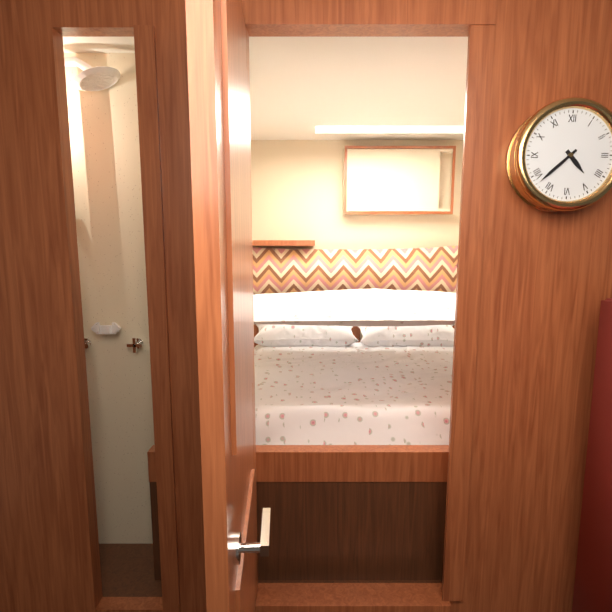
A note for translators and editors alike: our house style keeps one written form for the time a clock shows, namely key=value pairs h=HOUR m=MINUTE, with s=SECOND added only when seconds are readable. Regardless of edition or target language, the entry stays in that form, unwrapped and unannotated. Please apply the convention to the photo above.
h=4 m=38
